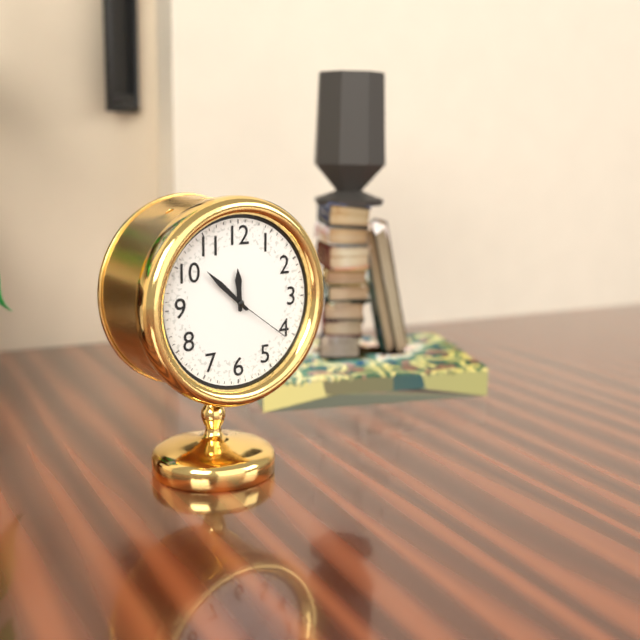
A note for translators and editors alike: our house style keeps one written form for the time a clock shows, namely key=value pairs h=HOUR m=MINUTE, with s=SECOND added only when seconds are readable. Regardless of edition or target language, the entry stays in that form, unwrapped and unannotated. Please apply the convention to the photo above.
h=11 m=52 s=21
